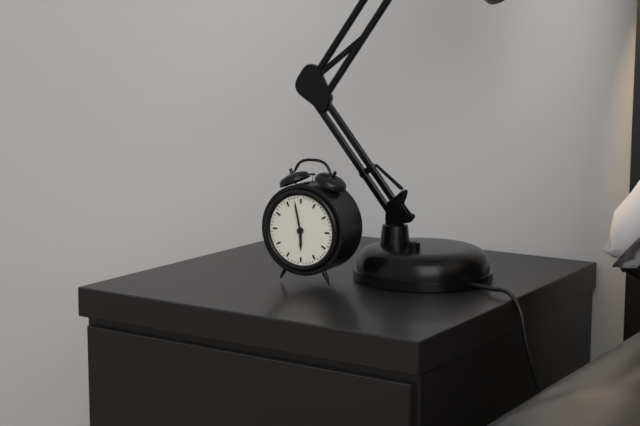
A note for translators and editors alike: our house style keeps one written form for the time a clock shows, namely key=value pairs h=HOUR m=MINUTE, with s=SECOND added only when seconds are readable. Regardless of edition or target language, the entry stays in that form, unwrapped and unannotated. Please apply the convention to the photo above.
h=5 m=58
